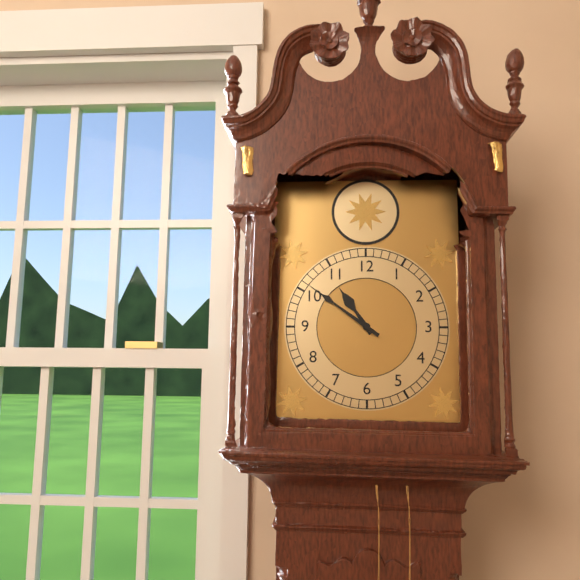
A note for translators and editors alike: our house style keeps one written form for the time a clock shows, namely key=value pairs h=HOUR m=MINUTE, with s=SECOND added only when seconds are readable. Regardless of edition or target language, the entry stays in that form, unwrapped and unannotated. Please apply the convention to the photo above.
h=10 m=51
